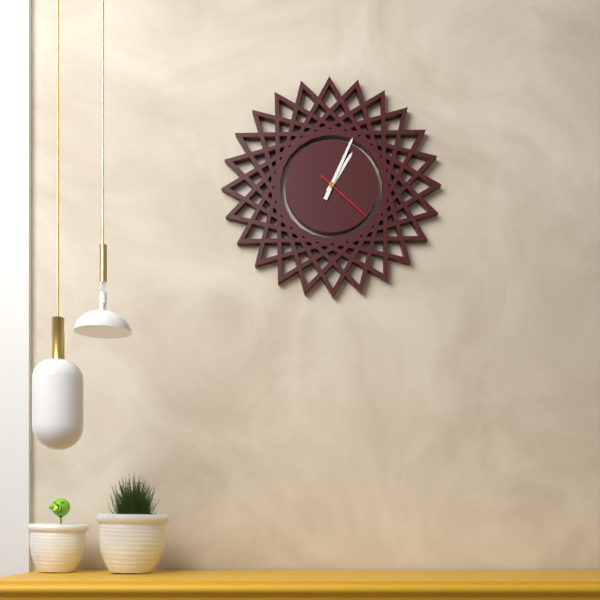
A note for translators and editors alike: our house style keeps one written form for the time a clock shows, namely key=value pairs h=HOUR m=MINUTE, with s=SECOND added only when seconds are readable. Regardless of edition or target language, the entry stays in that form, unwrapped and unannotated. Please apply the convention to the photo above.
h=1 m=4 s=22
